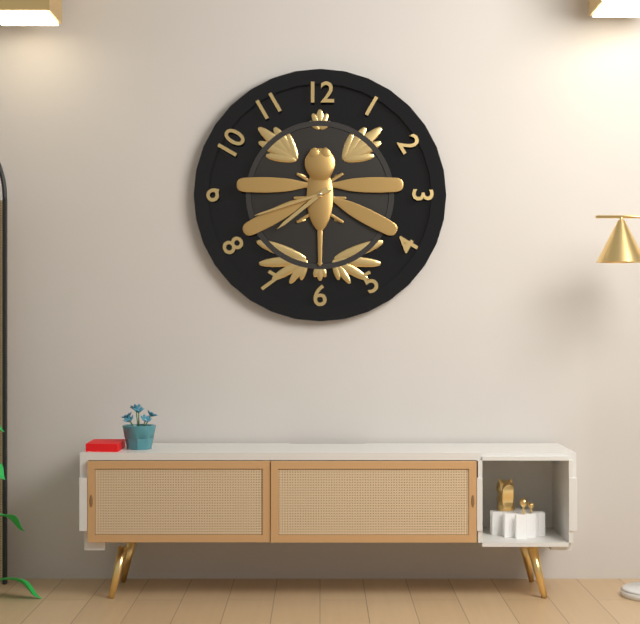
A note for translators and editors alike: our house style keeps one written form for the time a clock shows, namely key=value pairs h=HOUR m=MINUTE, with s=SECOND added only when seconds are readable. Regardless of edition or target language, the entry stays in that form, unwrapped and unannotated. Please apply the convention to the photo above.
h=7 m=42
